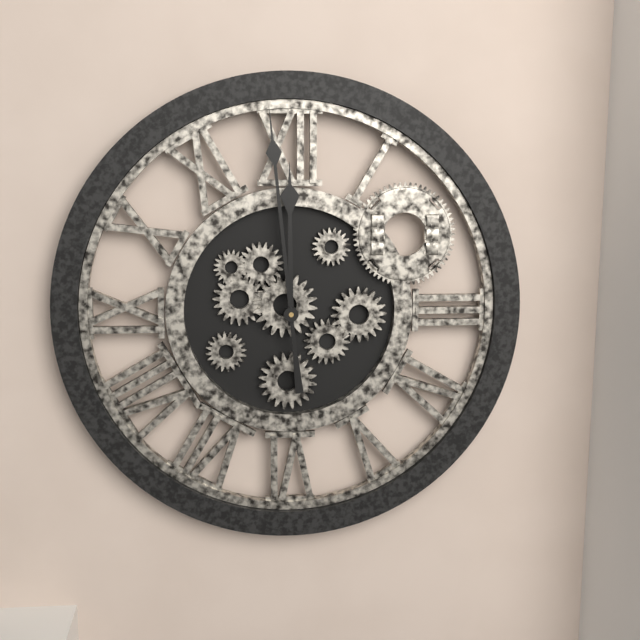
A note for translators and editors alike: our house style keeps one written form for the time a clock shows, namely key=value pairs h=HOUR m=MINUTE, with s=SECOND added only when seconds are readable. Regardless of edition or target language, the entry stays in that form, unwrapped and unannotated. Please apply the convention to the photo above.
h=11 m=59
